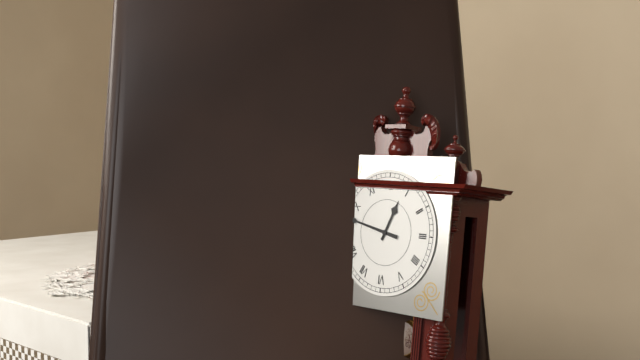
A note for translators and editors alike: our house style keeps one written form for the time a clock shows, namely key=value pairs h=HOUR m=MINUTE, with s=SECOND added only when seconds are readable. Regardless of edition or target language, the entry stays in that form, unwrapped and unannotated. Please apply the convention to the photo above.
h=12 m=47
